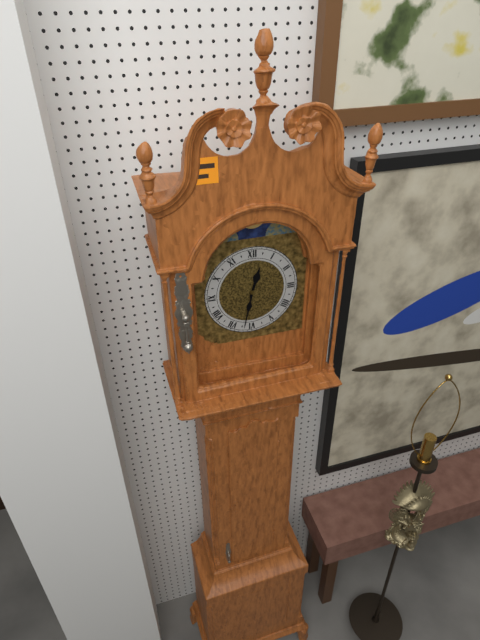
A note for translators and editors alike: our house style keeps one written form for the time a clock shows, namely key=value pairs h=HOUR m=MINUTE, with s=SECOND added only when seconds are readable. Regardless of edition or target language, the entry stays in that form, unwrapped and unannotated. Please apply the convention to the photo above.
h=12 m=32
